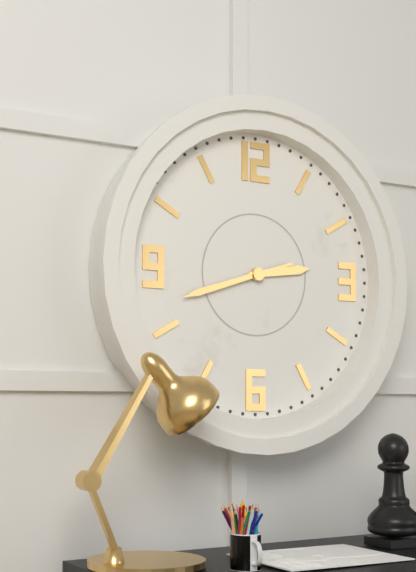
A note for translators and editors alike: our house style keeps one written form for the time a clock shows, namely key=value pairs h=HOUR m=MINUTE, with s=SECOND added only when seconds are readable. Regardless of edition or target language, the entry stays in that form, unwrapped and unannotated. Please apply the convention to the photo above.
h=2 m=42
